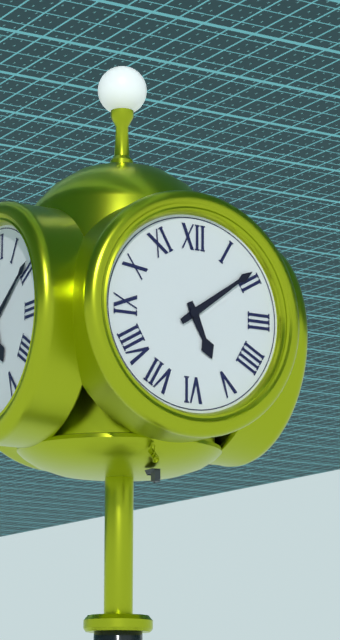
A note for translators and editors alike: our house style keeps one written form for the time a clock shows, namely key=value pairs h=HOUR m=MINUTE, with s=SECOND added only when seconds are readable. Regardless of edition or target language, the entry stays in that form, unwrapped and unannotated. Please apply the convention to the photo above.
h=5 m=9
